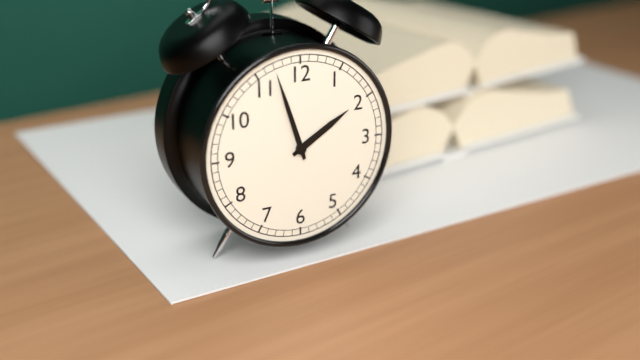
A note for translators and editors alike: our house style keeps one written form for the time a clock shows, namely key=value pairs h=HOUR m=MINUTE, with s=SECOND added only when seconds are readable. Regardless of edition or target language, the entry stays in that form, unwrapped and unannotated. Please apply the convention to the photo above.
h=1 m=57
